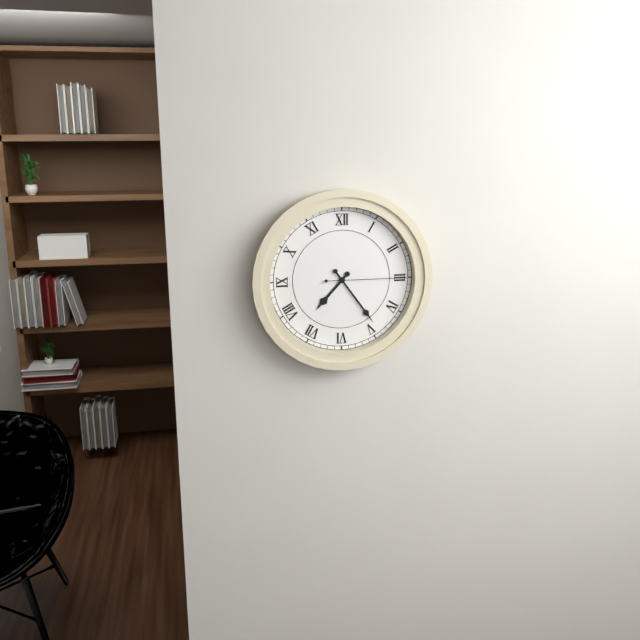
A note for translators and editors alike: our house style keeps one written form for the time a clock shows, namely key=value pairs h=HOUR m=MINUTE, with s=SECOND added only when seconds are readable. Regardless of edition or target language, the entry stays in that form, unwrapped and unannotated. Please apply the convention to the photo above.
h=7 m=24 s=15
